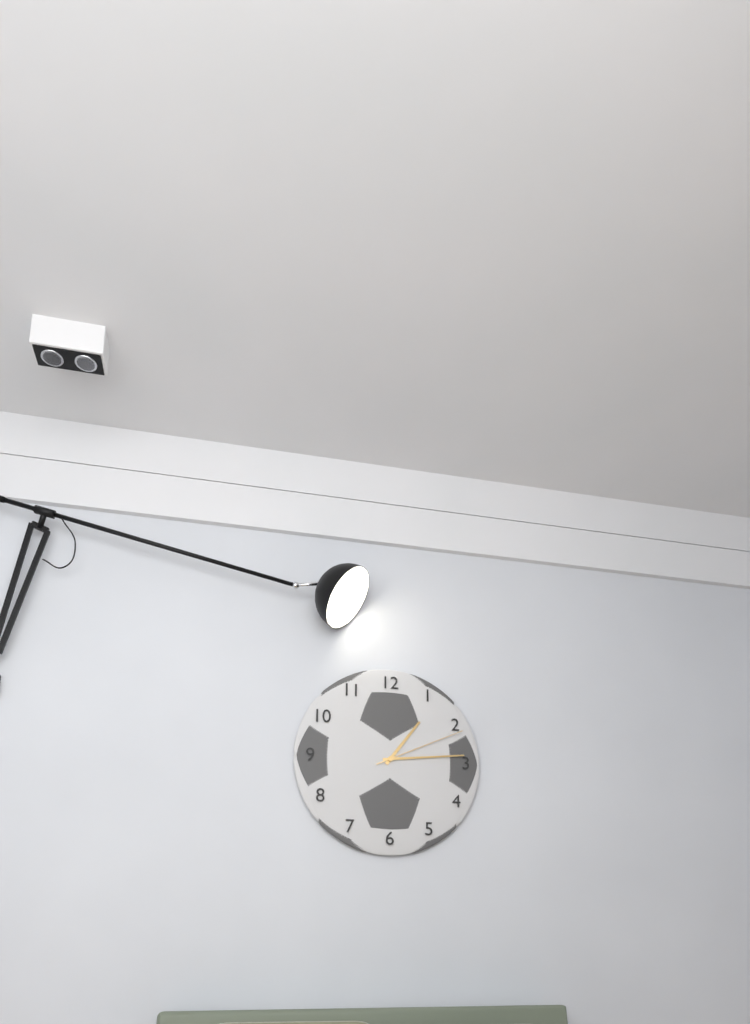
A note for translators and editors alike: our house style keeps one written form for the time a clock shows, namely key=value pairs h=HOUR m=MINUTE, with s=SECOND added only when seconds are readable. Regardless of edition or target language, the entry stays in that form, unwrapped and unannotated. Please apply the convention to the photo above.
h=1 m=14 s=11
